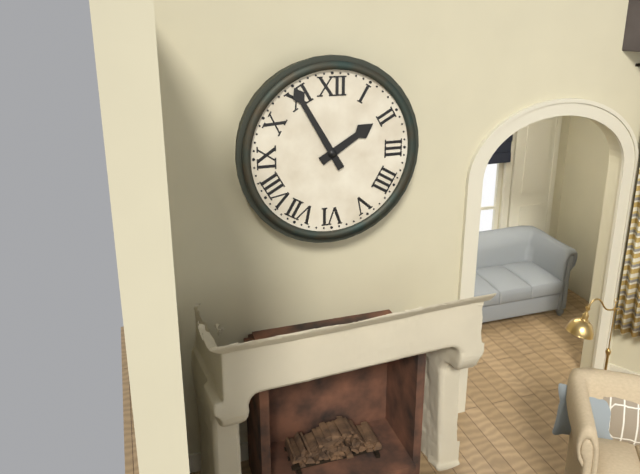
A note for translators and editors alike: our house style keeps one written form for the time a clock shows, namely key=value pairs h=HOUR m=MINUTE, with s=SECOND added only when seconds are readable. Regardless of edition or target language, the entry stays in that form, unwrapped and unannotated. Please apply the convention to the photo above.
h=1 m=55
